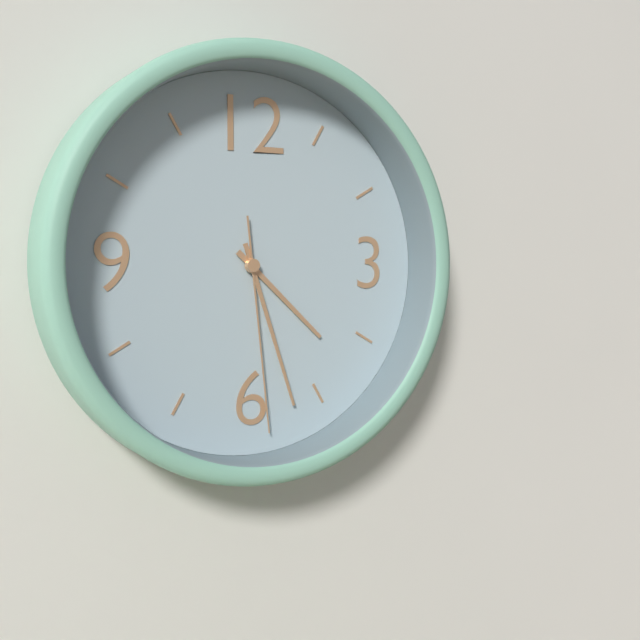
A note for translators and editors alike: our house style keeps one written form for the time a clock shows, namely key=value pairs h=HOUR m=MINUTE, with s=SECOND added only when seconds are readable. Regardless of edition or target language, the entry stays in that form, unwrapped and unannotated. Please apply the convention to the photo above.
h=4 m=27 s=29
